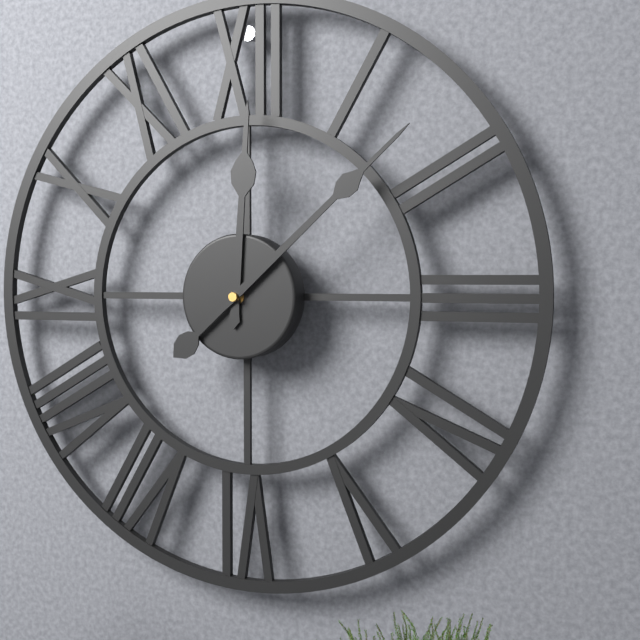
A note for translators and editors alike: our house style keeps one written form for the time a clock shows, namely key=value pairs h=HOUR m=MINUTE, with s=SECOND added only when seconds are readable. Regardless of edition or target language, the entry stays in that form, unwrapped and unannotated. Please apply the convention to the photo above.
h=12 m=8
